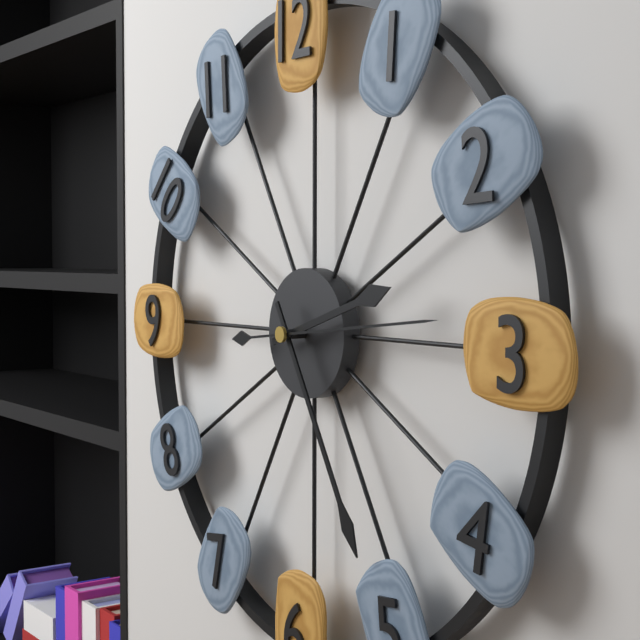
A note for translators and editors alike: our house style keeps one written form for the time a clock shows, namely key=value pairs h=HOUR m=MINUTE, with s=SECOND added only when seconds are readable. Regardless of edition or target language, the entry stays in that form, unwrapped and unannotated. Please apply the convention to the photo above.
h=2 m=25 s=14
